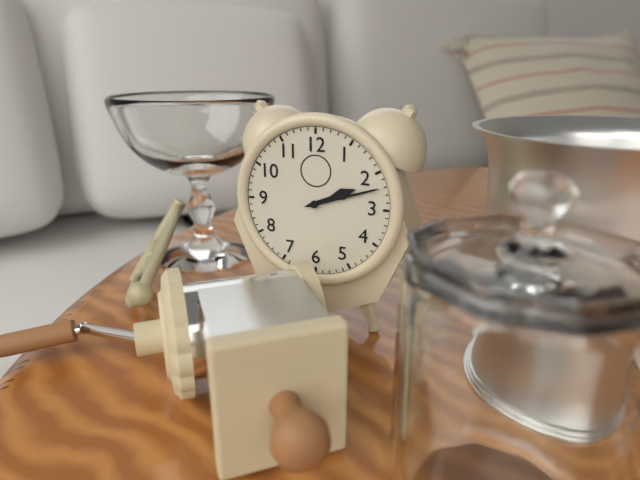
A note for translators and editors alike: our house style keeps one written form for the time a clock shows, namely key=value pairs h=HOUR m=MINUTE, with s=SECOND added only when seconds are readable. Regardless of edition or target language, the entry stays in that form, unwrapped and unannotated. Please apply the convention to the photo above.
h=2 m=12
